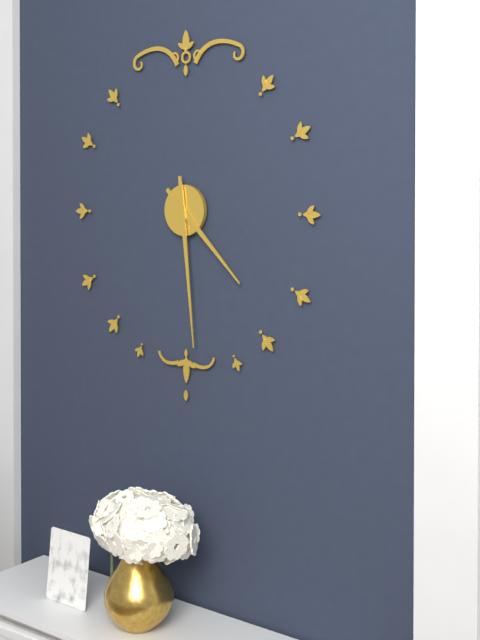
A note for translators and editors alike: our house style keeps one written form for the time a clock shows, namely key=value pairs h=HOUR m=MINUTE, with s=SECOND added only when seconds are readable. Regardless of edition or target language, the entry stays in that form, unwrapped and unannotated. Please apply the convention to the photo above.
h=4 m=29
